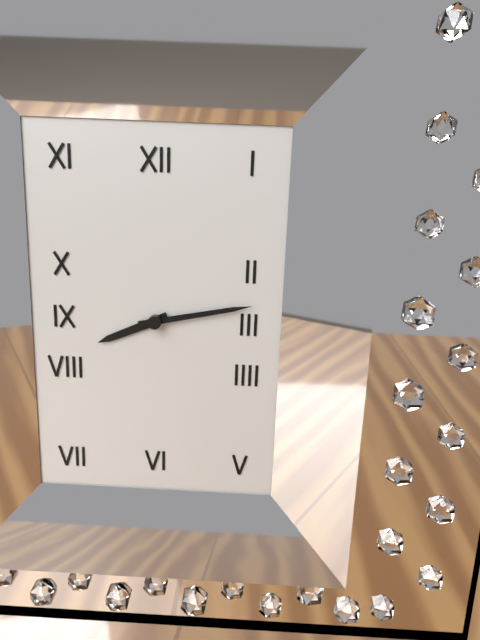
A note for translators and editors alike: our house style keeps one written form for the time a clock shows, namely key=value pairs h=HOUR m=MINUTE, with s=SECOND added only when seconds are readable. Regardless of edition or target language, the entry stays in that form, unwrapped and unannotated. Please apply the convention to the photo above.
h=8 m=13
